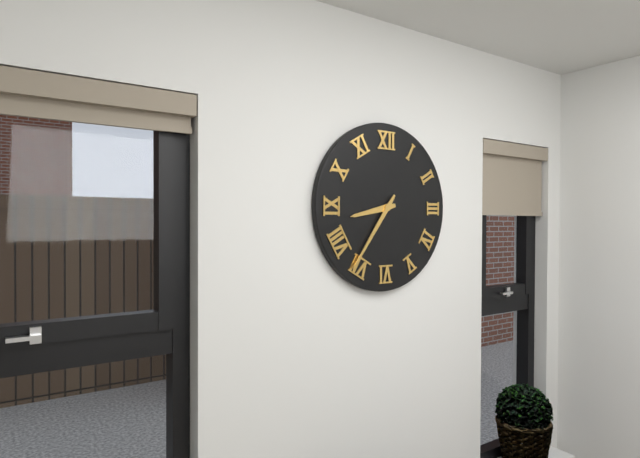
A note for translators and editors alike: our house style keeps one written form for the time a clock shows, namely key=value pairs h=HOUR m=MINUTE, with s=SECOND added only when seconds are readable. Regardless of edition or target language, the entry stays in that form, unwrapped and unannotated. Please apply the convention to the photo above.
h=8 m=36
